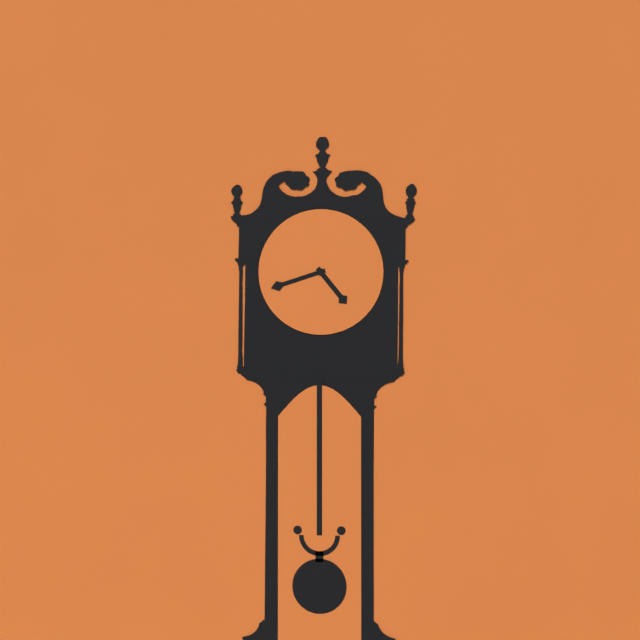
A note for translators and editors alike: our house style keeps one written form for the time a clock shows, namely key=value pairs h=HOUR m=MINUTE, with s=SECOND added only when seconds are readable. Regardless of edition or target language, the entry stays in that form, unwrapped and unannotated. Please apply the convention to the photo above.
h=4 m=42
